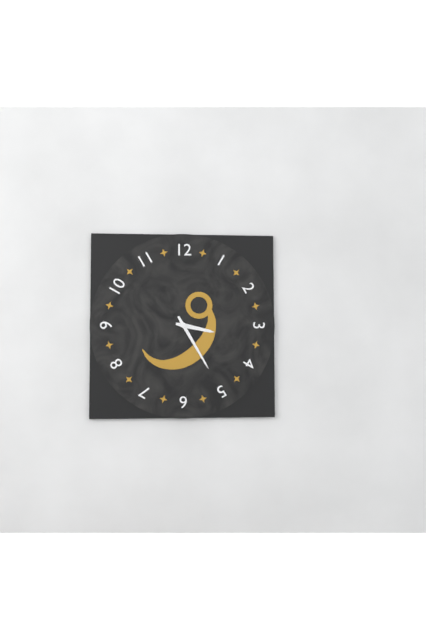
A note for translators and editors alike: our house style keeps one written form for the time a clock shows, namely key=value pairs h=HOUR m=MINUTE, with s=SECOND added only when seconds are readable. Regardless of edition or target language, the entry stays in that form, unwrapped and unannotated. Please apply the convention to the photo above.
h=3 m=25
